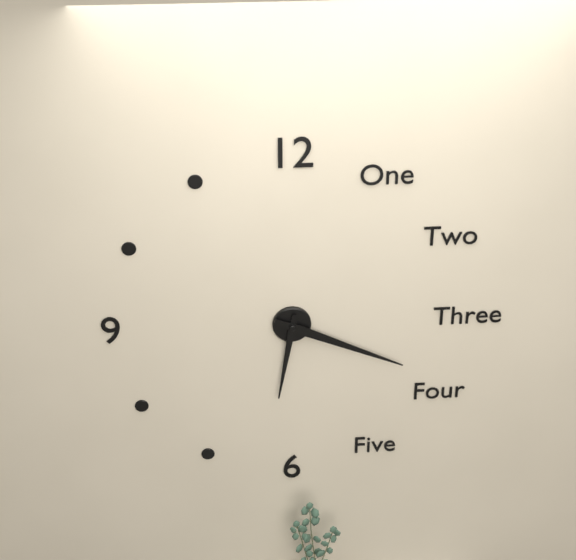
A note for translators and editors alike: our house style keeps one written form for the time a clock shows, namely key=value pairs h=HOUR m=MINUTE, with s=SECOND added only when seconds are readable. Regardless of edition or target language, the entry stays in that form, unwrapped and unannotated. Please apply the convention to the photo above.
h=6 m=19
